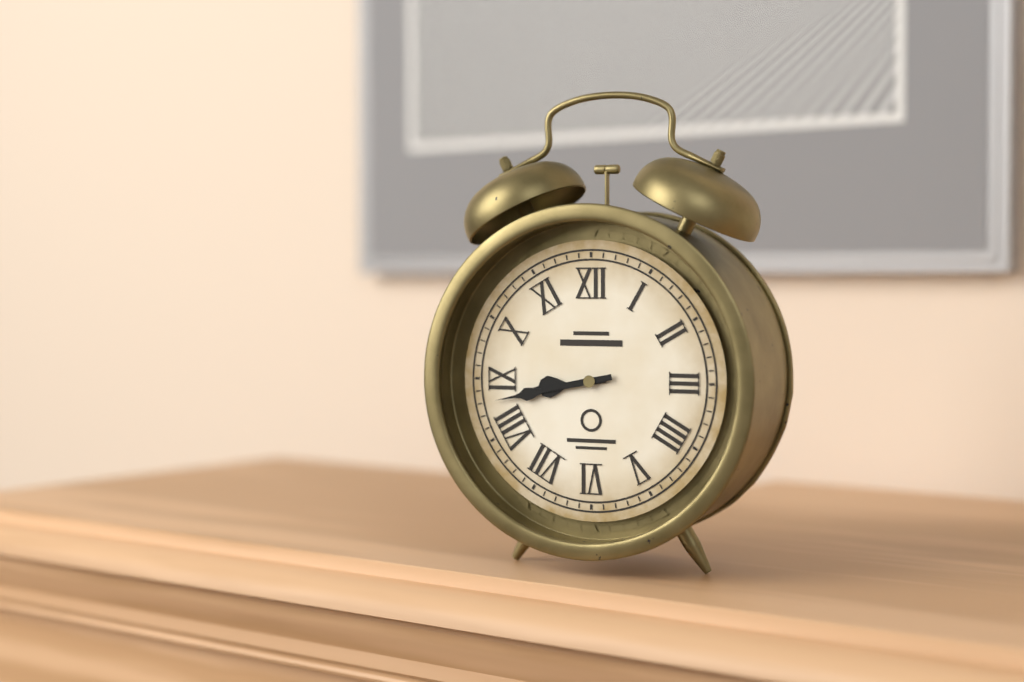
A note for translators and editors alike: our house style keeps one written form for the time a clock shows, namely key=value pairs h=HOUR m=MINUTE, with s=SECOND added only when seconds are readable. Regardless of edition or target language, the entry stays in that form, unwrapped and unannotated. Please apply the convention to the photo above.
h=8 m=43
